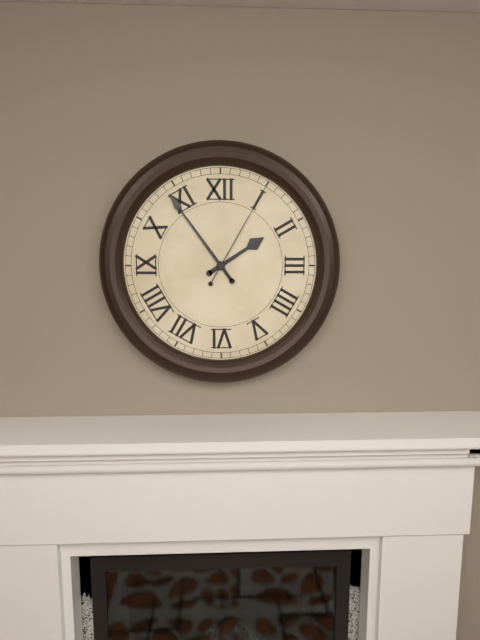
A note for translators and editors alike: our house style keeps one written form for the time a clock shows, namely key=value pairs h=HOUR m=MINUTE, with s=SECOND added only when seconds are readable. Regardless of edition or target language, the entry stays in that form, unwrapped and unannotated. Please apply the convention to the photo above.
h=1 m=54 s=5
